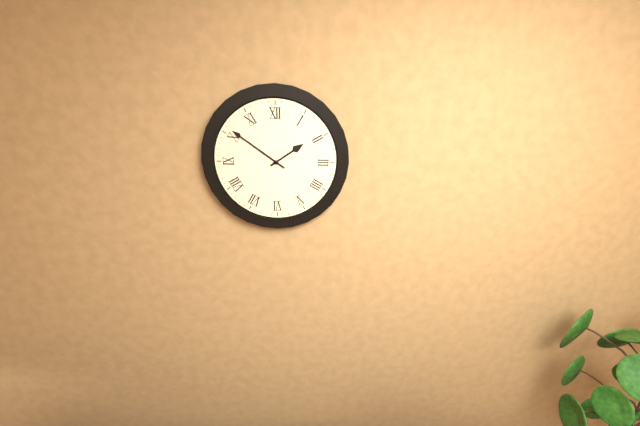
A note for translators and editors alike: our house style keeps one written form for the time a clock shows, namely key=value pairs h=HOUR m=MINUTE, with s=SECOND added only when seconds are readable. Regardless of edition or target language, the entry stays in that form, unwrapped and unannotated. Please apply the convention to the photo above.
h=1 m=51
